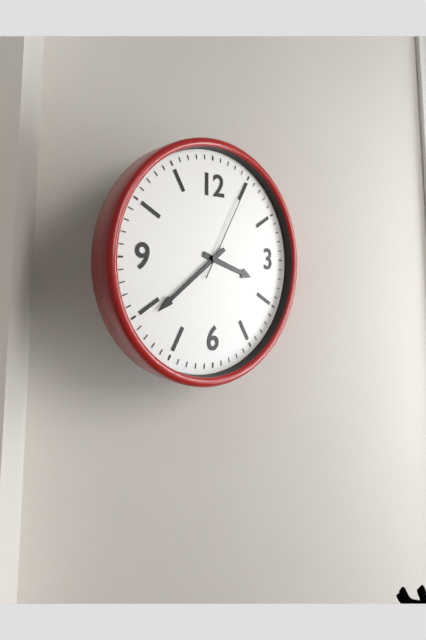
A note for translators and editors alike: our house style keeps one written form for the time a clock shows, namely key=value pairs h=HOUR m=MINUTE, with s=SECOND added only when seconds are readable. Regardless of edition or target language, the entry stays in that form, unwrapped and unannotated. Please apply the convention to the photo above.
h=3 m=39 s=5
